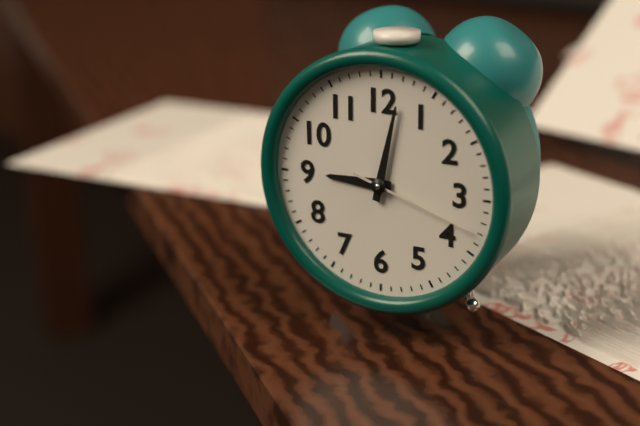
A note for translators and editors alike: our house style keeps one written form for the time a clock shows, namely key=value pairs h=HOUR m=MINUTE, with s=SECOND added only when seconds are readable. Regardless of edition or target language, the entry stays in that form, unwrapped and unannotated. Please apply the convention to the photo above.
h=9 m=2 s=18
